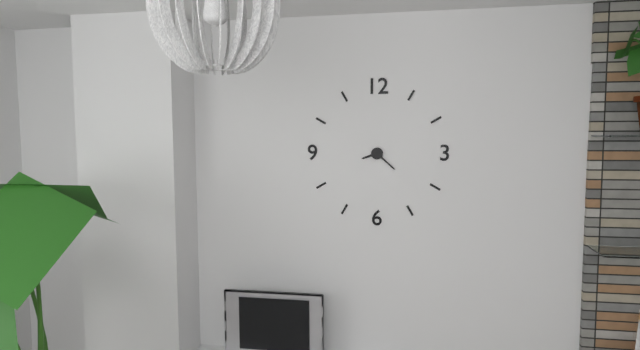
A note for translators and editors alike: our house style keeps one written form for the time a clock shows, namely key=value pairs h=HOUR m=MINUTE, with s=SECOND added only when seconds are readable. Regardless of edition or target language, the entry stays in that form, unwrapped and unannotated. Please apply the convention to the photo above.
h=8 m=22
